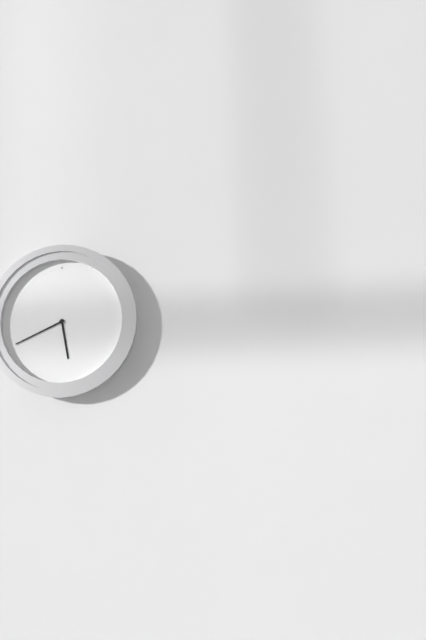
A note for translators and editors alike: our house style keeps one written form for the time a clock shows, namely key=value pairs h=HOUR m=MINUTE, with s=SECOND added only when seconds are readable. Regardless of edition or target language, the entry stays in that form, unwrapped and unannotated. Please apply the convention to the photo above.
h=5 m=41
